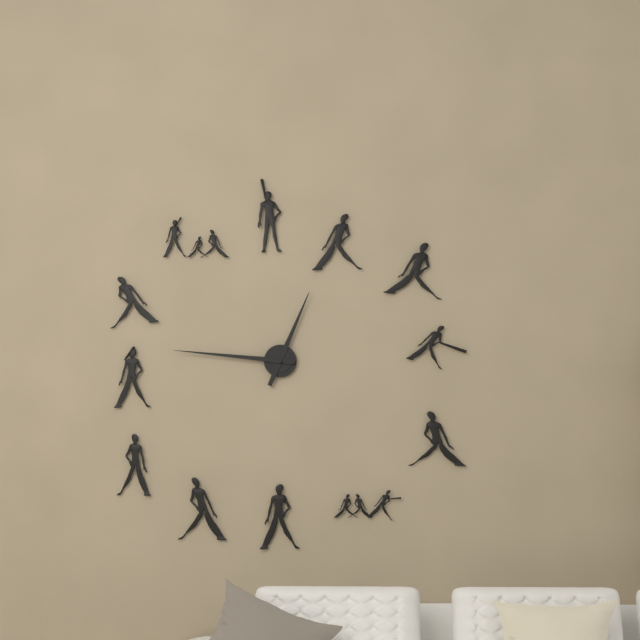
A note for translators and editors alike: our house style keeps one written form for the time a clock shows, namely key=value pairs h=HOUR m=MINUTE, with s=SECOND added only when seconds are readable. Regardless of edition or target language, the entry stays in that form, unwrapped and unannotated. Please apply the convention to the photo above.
h=12 m=46
